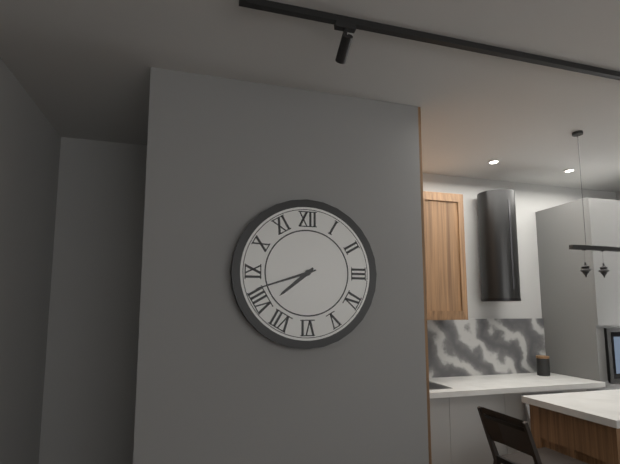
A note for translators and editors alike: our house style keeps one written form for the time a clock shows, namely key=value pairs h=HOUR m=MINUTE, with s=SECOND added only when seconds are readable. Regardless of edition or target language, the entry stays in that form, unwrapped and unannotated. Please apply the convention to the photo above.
h=7 m=42
